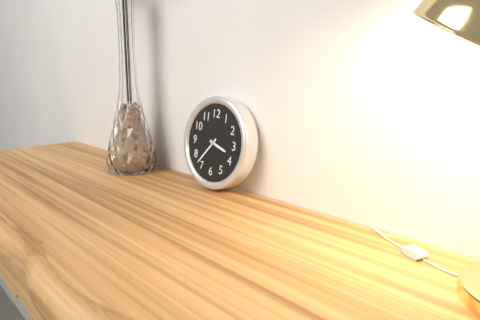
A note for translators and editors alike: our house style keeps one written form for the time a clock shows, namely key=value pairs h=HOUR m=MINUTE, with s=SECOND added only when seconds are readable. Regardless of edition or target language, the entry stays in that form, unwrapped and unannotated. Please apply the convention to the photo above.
h=3 m=37
